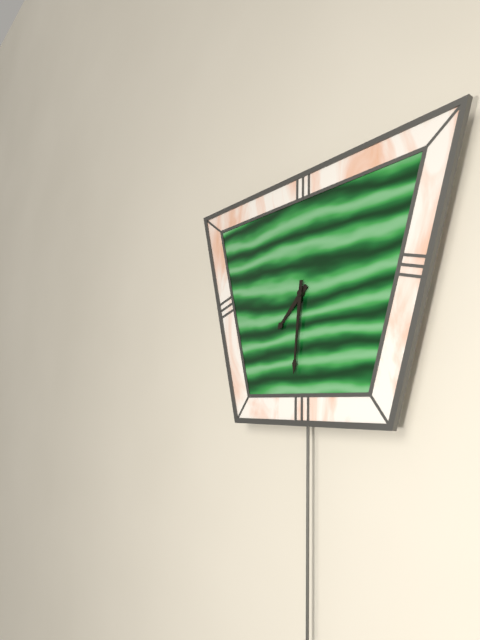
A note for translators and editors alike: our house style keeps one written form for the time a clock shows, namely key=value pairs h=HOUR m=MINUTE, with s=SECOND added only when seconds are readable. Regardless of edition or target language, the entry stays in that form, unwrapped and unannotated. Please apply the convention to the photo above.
h=7 m=31
